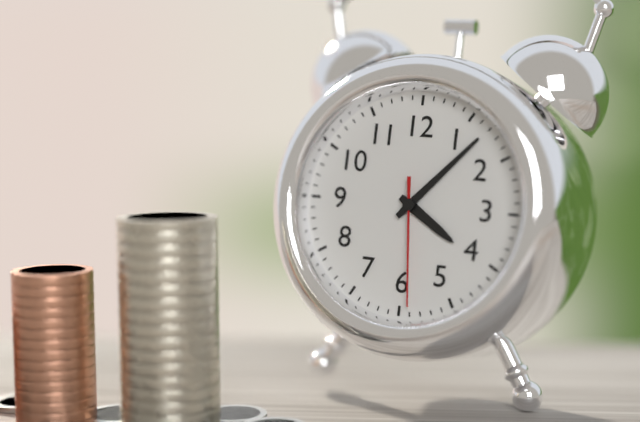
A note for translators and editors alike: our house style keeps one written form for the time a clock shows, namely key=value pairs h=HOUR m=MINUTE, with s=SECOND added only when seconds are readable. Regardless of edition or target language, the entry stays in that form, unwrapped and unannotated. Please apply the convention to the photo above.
h=4 m=7 s=29
